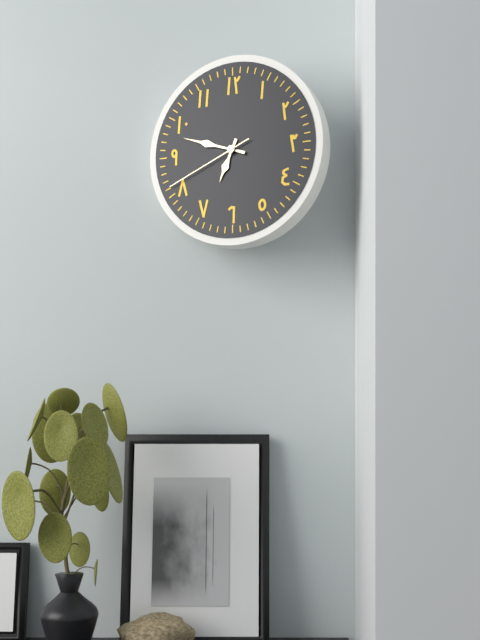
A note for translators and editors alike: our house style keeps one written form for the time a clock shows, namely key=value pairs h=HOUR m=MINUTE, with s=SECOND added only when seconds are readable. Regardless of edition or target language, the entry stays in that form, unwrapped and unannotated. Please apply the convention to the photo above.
h=6 m=48 s=41
